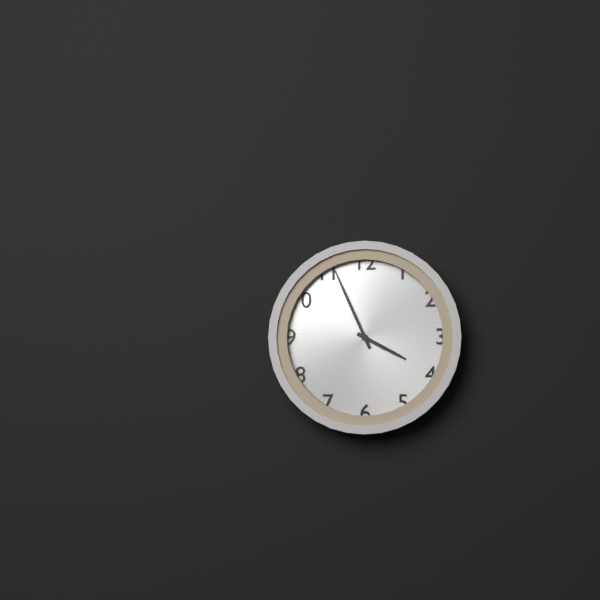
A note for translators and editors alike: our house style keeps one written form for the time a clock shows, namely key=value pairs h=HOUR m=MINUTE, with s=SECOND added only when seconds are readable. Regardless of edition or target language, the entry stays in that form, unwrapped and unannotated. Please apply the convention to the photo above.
h=3 m=56
